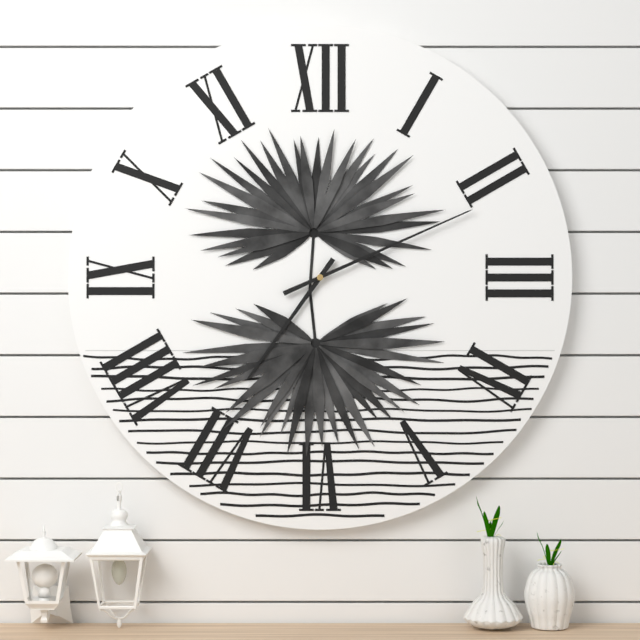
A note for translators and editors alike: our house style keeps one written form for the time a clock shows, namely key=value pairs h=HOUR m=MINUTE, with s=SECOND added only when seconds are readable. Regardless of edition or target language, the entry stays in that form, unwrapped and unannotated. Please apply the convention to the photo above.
h=7 m=11
